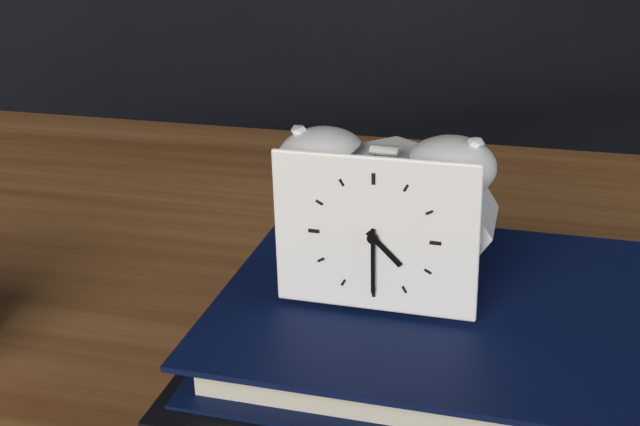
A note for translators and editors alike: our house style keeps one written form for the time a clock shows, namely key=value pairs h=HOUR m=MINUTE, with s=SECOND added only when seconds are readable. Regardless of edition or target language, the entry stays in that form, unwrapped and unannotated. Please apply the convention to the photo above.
h=4 m=30
